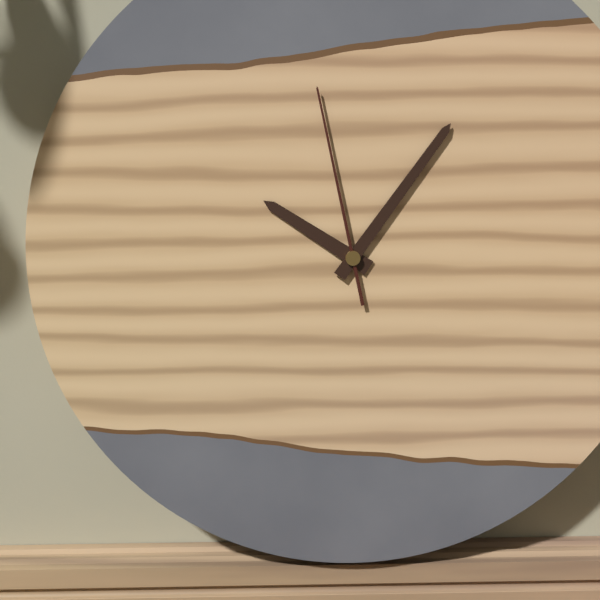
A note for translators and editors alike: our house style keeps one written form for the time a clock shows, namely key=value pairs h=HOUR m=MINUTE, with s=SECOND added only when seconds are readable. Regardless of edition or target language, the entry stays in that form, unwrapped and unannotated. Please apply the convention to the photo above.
h=10 m=6 s=58
